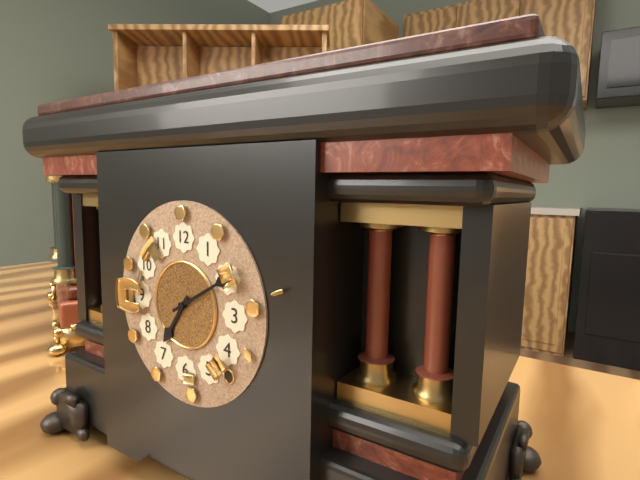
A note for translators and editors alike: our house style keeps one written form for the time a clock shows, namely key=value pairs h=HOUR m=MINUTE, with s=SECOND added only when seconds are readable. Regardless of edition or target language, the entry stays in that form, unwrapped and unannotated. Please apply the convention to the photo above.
h=7 m=10
